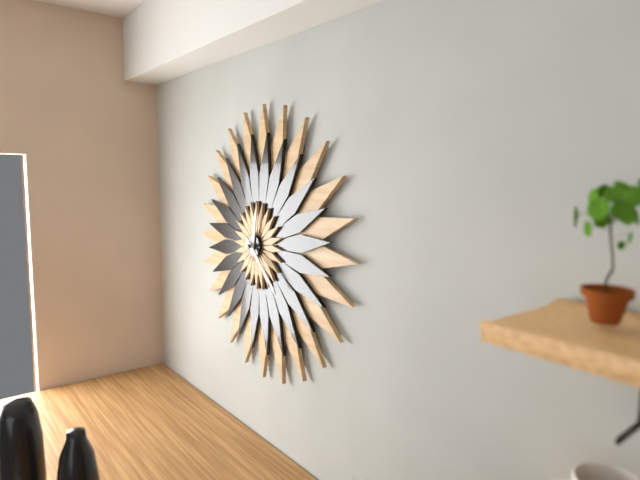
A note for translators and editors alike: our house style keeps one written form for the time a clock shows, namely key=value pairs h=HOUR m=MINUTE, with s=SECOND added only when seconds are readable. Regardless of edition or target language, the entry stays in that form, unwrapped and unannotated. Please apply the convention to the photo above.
h=12 m=22
